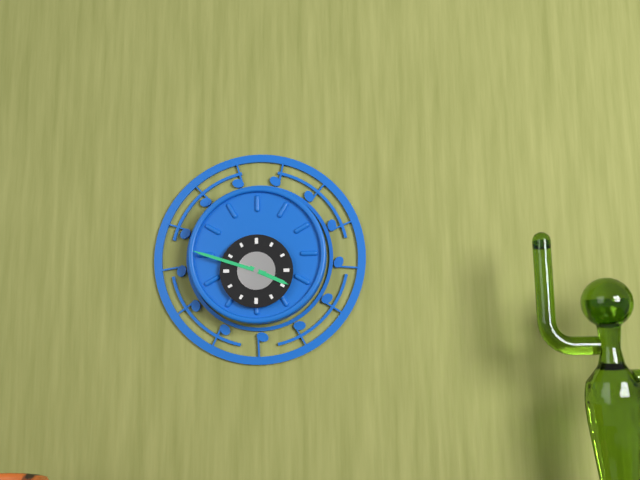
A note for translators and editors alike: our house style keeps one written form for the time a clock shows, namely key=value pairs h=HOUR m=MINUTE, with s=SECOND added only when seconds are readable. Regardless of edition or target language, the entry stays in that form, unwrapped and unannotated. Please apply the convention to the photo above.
h=3 m=48
